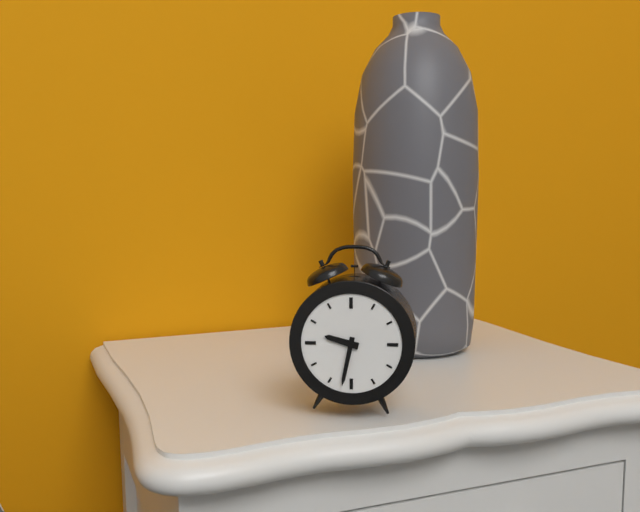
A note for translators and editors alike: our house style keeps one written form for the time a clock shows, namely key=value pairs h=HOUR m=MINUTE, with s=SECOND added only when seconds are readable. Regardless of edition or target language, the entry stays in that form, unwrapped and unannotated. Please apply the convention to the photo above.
h=9 m=32
